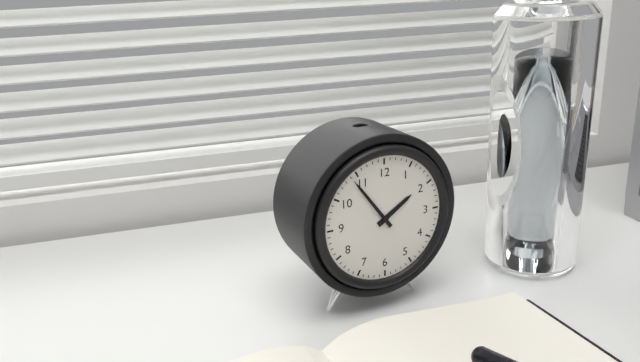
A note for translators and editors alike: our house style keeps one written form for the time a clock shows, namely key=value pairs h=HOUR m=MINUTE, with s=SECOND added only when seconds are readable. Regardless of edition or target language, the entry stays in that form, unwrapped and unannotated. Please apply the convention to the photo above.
h=1 m=54
